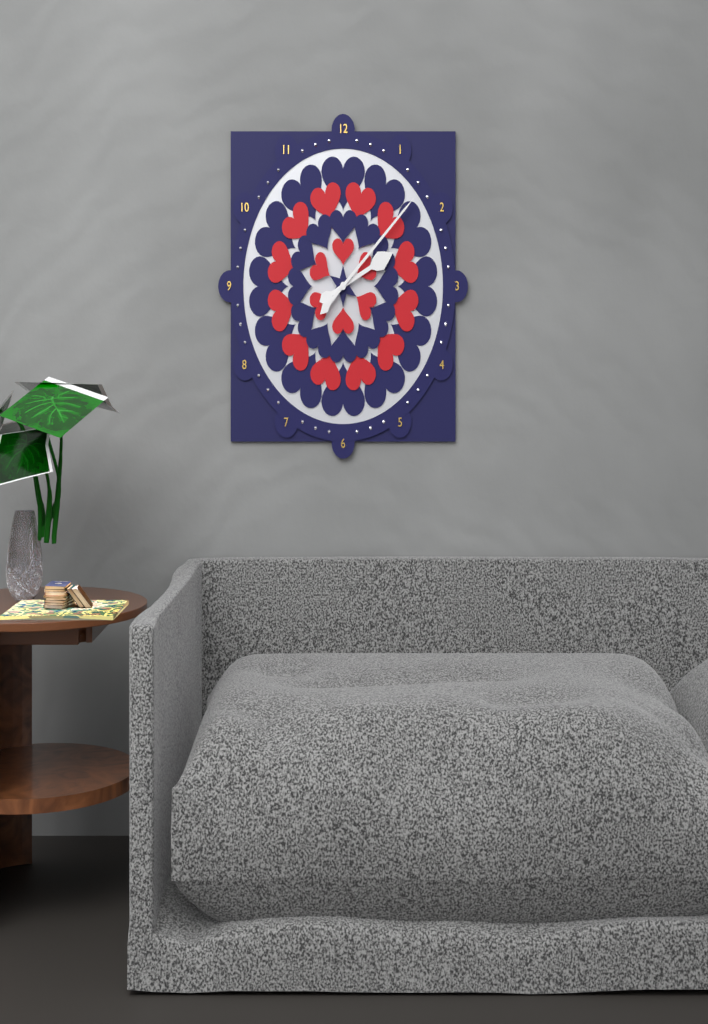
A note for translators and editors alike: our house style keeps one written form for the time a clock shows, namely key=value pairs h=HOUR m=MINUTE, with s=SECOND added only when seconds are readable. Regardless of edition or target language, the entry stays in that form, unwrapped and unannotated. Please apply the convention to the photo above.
h=2 m=8
